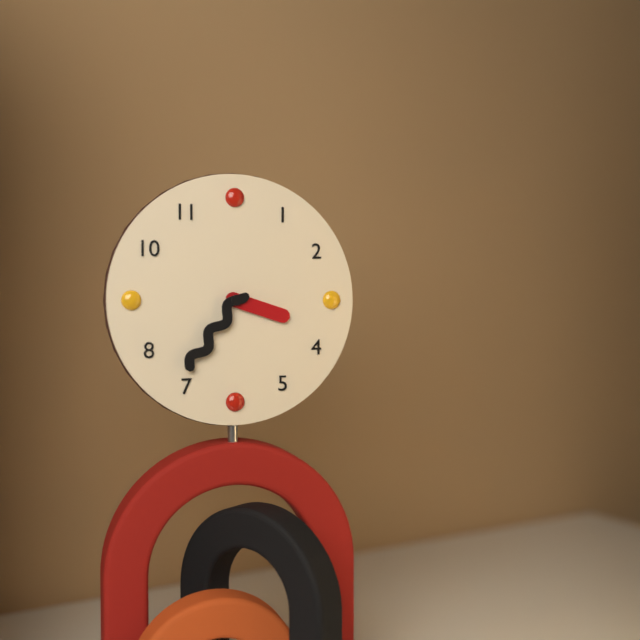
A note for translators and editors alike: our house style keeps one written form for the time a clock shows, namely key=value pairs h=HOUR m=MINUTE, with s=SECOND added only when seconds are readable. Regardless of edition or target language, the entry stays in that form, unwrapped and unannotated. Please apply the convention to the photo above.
h=3 m=36
